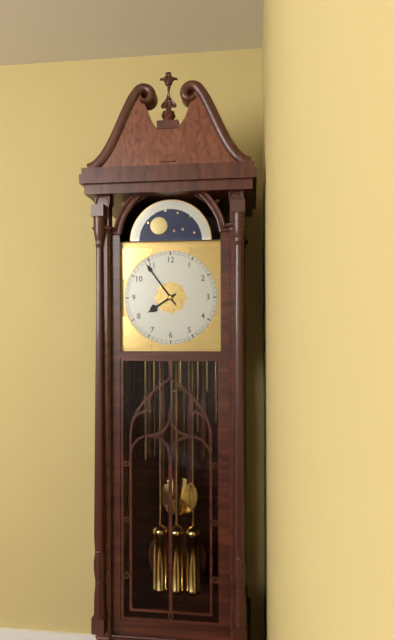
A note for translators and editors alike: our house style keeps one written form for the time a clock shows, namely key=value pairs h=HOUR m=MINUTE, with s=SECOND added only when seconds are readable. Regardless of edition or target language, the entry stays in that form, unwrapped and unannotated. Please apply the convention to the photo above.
h=7 m=54
